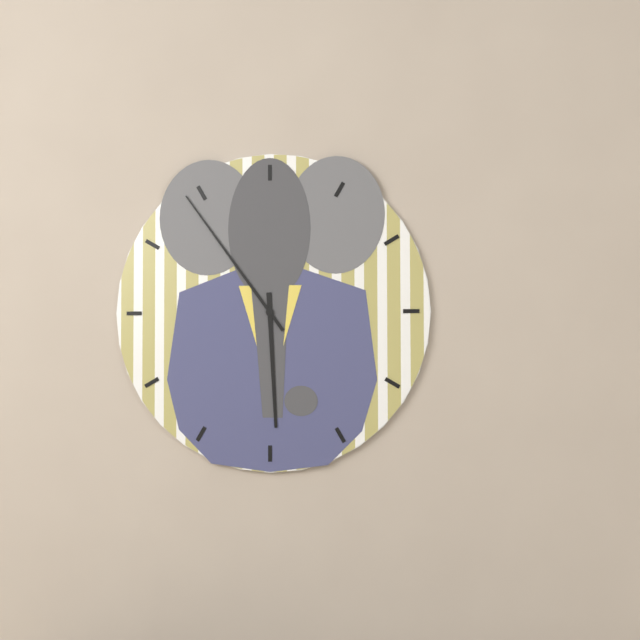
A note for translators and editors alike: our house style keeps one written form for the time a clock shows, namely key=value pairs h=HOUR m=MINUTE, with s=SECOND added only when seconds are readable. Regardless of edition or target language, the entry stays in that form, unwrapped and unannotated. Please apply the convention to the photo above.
h=5 m=54
